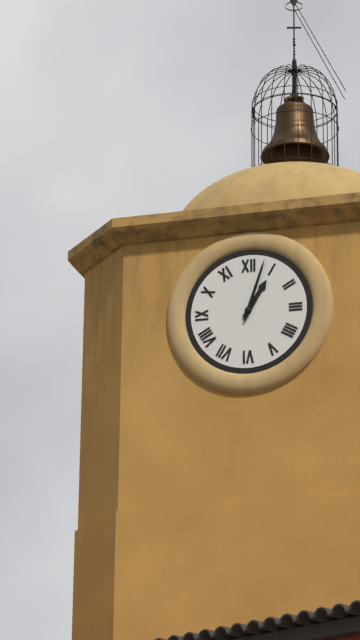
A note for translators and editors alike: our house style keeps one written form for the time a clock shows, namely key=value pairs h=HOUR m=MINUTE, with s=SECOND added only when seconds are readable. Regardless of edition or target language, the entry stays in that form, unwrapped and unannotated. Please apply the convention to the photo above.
h=1 m=3
